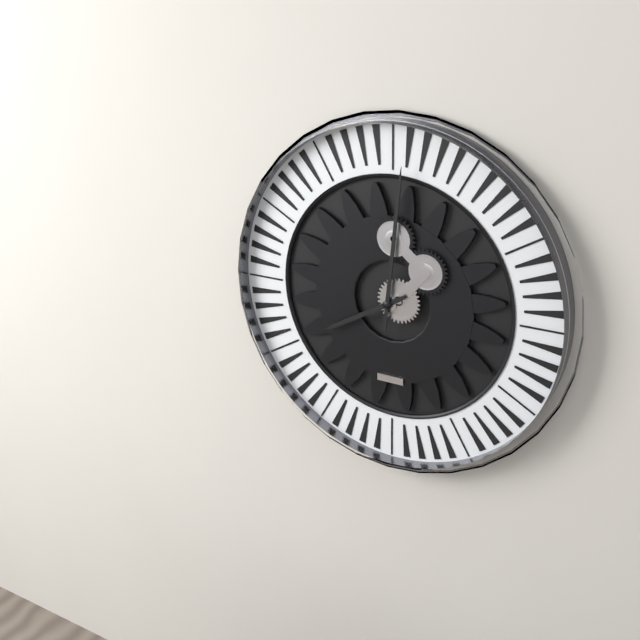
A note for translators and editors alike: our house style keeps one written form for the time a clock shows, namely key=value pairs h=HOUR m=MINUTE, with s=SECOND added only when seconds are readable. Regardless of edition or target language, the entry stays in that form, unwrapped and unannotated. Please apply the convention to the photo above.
h=8 m=1
